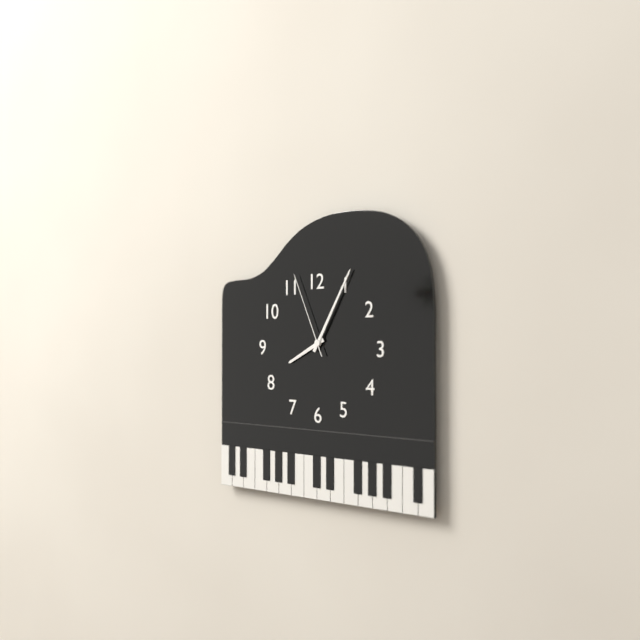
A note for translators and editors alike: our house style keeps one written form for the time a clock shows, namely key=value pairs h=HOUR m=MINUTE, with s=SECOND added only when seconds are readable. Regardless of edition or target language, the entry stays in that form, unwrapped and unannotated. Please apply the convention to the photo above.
h=8 m=5 s=56
